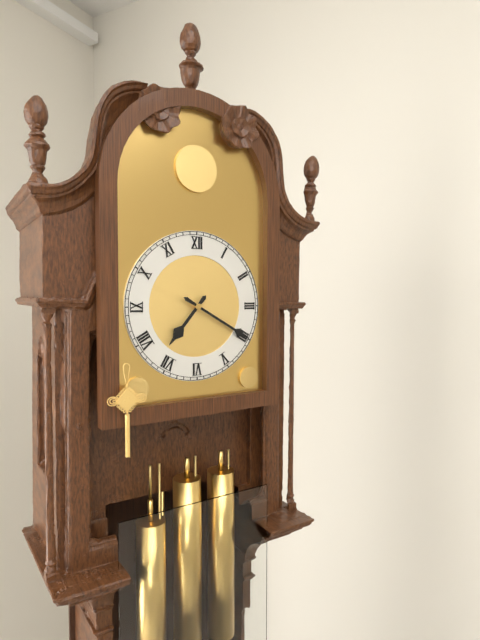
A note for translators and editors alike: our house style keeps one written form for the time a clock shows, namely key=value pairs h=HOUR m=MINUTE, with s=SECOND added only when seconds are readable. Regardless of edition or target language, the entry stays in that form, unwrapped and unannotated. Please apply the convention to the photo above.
h=7 m=20
